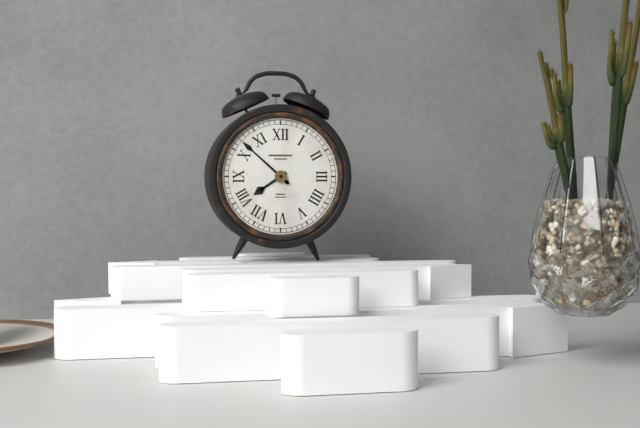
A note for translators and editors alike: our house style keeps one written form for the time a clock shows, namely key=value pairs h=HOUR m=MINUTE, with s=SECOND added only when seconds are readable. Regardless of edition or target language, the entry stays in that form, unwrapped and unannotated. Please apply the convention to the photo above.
h=7 m=52
